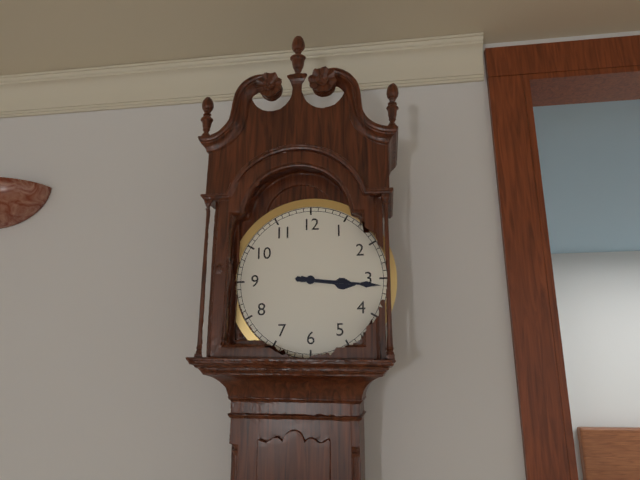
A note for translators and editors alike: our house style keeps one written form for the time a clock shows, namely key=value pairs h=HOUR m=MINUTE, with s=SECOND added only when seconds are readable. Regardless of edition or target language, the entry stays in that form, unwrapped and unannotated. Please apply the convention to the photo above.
h=3 m=16
